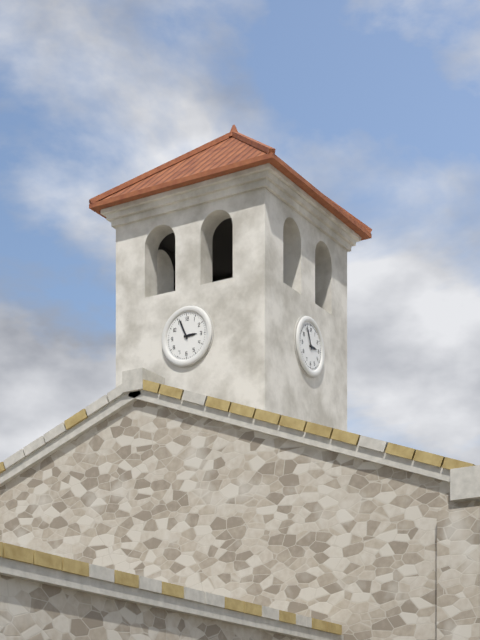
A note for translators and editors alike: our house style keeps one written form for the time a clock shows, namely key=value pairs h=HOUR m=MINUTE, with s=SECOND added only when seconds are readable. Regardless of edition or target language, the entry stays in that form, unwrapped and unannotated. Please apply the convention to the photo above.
h=2 m=56
